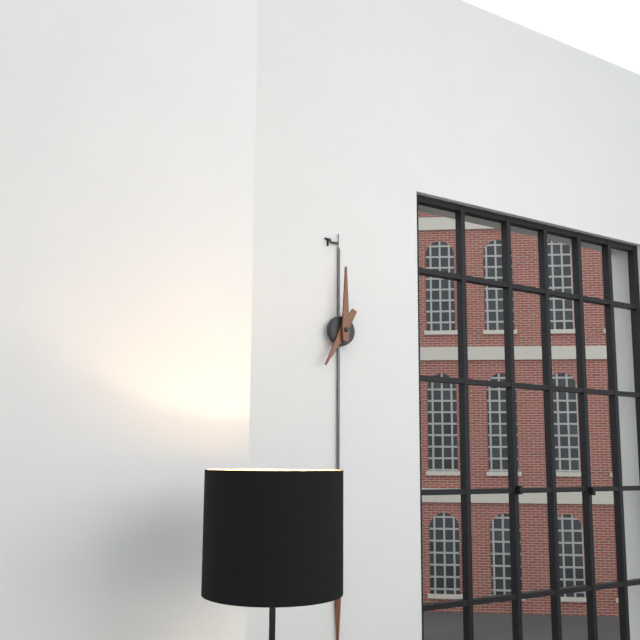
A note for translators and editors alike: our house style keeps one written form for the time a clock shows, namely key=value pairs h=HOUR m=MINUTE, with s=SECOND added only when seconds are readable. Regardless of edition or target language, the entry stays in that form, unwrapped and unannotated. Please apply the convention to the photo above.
h=7 m=0
